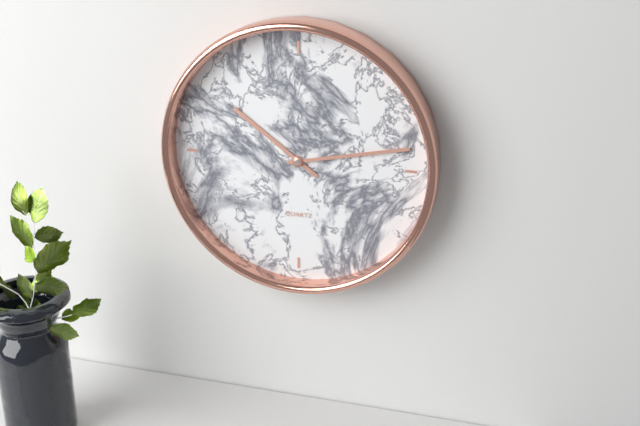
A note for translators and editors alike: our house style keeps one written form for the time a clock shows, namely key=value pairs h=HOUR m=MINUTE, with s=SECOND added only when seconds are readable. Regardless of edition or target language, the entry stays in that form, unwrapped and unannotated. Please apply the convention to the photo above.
h=10 m=13
